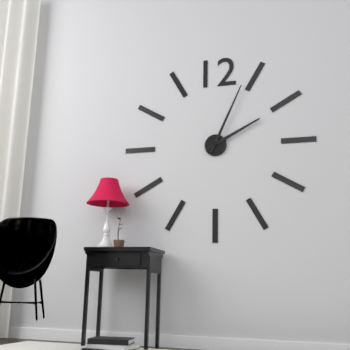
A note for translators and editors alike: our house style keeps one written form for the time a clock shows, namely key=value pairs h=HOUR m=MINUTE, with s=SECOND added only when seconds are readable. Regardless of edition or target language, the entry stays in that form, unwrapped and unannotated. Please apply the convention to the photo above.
h=2 m=4
